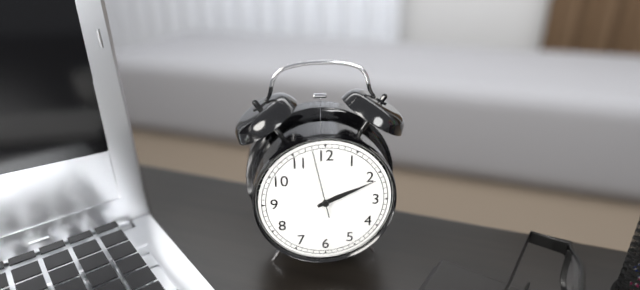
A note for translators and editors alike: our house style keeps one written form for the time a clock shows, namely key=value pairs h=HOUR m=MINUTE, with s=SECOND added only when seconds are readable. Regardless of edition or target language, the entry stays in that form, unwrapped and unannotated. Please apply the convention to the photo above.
h=2 m=11 s=58
